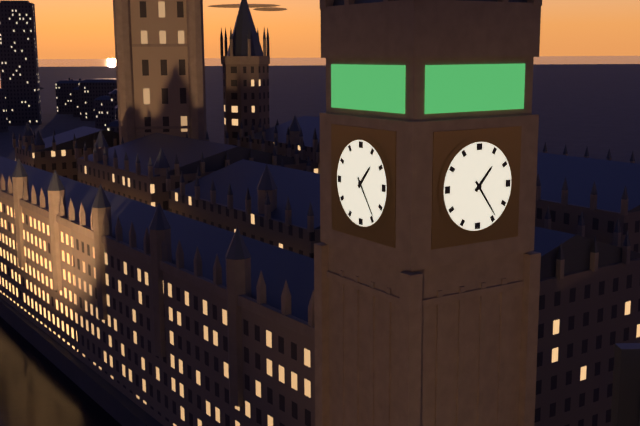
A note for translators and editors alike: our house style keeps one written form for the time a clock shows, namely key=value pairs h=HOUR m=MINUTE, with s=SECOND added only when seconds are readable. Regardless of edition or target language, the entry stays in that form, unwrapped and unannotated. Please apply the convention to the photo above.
h=1 m=24
